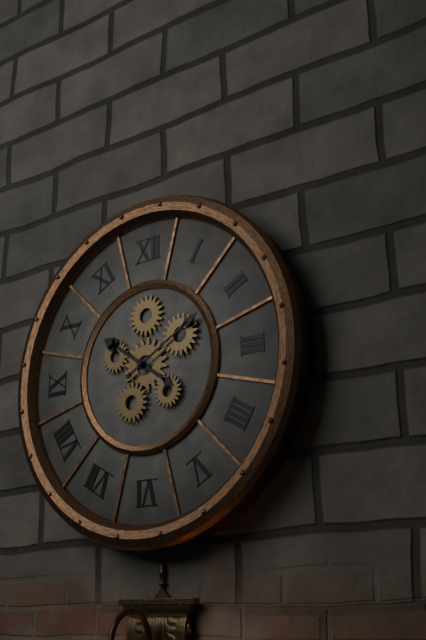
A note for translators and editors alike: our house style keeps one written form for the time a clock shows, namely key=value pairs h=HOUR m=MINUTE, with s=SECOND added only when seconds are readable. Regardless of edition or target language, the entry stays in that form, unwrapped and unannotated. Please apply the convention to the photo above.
h=10 m=10
